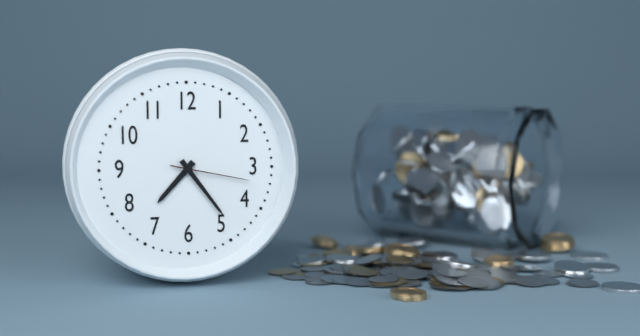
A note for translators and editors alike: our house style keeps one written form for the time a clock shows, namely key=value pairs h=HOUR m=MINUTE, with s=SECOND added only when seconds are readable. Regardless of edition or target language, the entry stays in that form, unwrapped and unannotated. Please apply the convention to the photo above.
h=7 m=24 s=17
